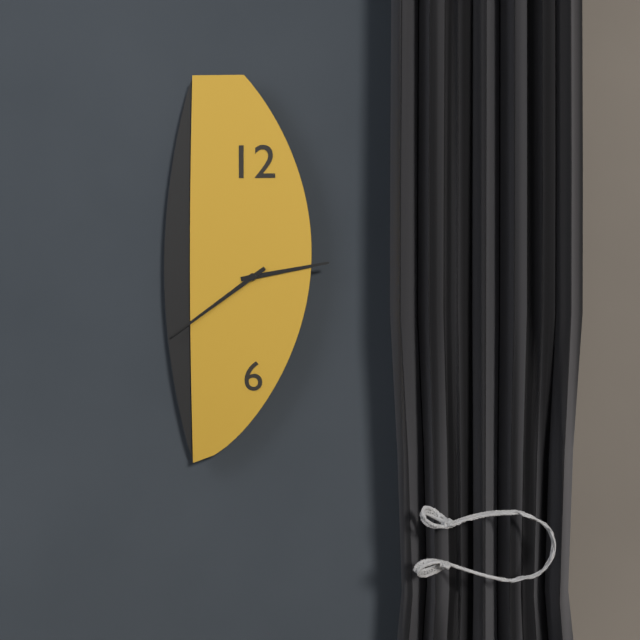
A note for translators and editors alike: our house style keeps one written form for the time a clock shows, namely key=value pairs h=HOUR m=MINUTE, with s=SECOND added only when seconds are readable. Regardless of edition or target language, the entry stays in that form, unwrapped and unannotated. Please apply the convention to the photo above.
h=2 m=39
